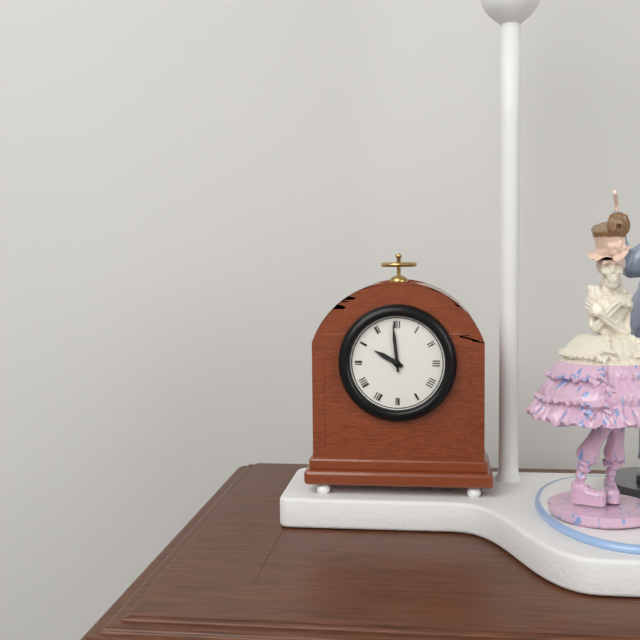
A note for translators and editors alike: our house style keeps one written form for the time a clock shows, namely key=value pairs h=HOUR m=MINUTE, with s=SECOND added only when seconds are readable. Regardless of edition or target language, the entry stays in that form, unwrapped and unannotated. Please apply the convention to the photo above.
h=9 m=59
